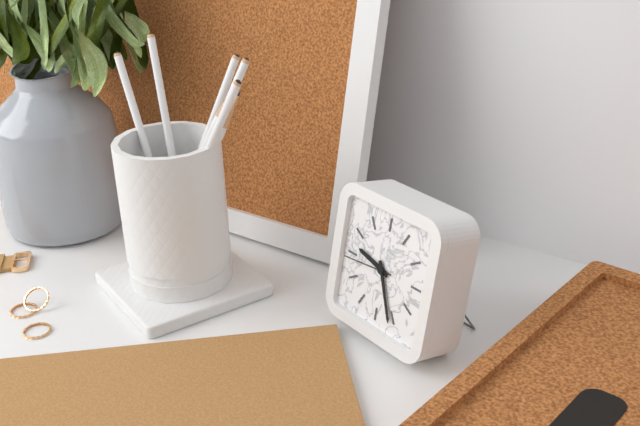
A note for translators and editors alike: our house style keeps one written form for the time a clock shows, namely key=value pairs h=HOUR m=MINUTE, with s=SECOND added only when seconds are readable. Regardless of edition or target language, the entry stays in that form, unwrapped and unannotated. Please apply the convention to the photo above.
h=9 m=26
